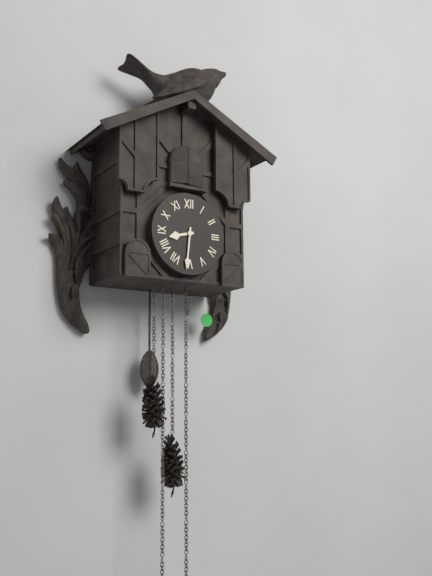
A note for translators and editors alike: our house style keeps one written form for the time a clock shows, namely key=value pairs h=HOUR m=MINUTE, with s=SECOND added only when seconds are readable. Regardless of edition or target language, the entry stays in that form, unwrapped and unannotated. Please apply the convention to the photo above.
h=8 m=31
